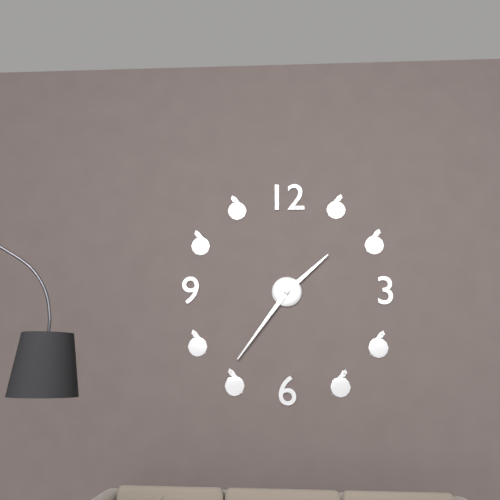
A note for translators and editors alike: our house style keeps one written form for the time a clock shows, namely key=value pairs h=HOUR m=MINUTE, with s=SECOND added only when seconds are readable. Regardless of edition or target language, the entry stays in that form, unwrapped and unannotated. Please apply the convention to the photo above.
h=1 m=36
